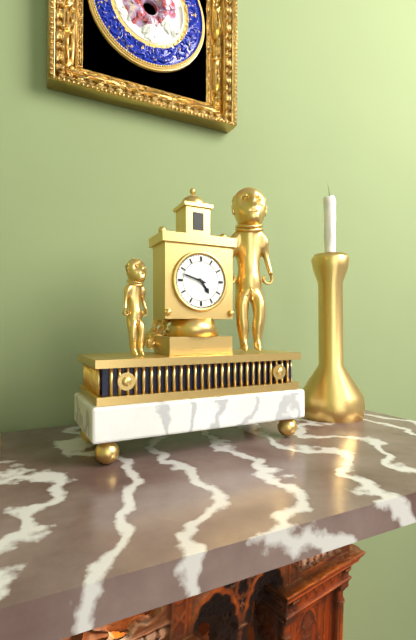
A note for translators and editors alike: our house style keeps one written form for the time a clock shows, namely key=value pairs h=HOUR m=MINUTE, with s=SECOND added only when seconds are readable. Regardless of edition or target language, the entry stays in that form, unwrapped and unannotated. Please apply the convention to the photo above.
h=4 m=48
